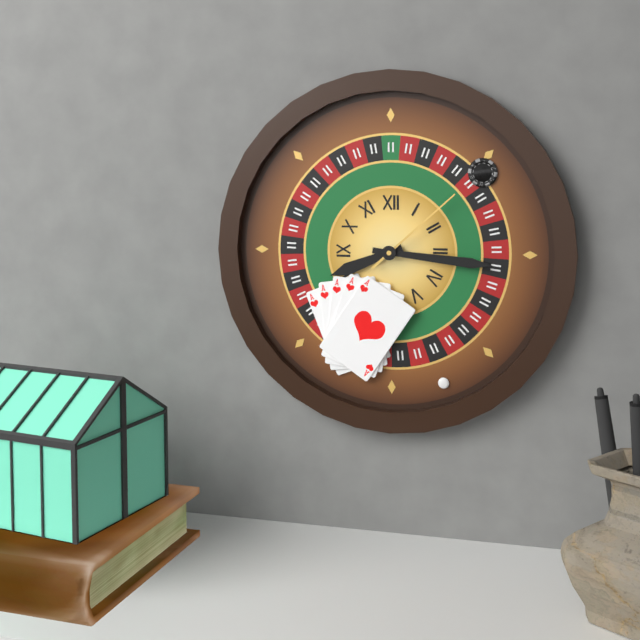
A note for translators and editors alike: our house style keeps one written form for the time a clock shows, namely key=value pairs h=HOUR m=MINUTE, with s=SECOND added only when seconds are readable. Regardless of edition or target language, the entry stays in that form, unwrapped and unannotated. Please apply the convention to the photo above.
h=8 m=16 s=8
